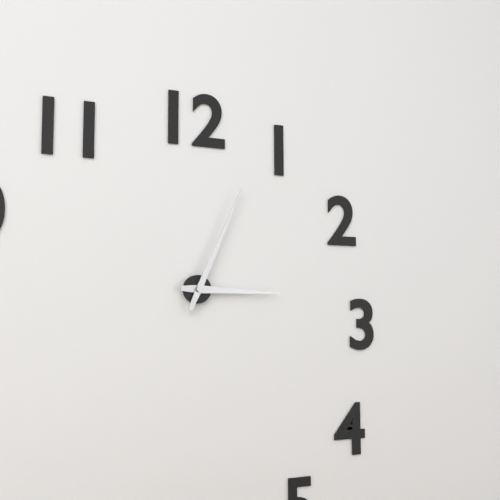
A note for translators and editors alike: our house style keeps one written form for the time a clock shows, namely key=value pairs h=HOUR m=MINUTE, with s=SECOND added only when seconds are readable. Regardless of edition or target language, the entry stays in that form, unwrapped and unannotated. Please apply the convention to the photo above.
h=3 m=4
